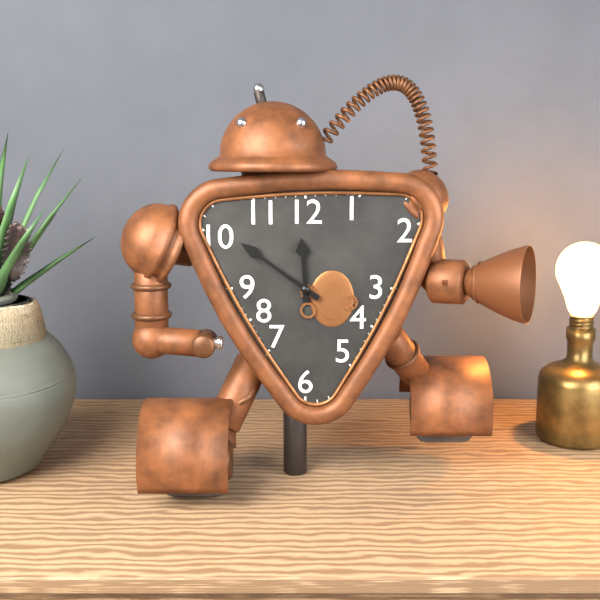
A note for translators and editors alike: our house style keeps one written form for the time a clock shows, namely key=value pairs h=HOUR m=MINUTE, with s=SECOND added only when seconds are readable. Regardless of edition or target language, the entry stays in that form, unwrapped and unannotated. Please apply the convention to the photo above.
h=11 m=51
